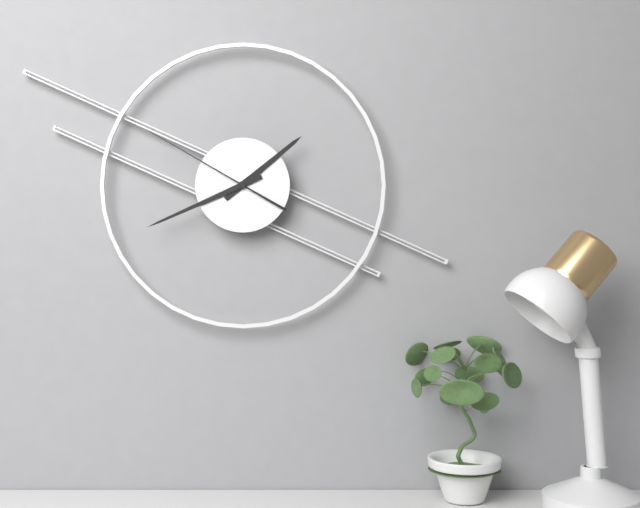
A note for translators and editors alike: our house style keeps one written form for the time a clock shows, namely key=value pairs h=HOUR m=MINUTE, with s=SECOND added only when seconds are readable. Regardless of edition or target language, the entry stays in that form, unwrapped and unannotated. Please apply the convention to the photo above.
h=1 m=41 s=50
